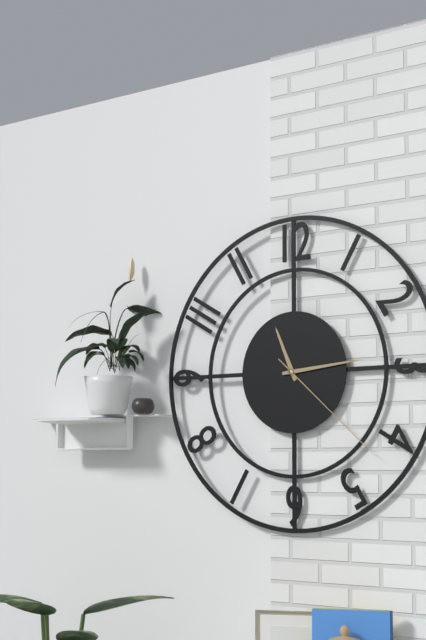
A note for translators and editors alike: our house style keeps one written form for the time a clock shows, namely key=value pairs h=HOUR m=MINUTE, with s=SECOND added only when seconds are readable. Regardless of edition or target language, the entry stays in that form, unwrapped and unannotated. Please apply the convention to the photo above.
h=11 m=14 s=22
